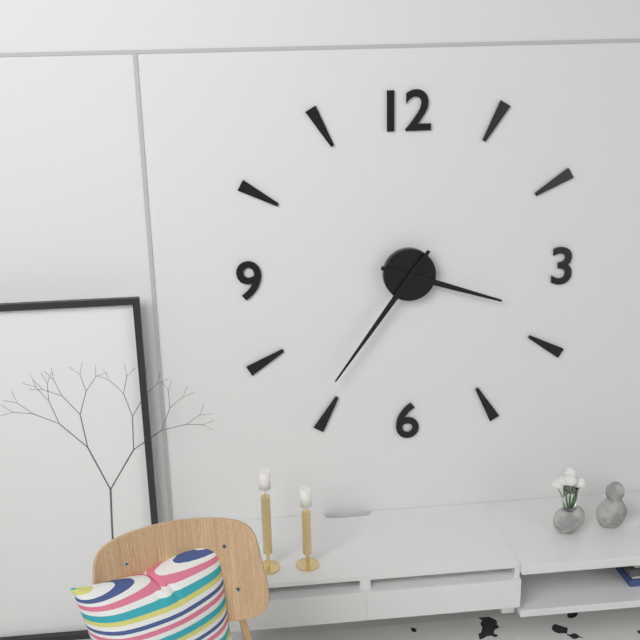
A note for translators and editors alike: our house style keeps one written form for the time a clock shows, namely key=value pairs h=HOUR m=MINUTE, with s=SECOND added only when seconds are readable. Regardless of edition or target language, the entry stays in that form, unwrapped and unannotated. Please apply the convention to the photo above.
h=3 m=36
